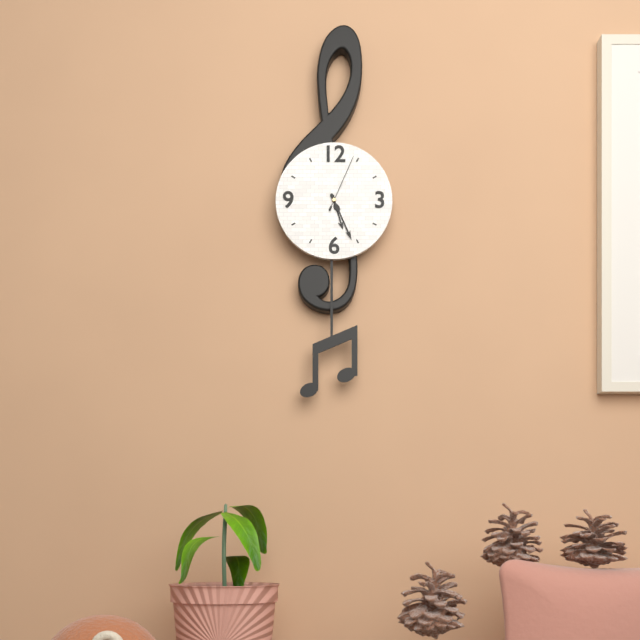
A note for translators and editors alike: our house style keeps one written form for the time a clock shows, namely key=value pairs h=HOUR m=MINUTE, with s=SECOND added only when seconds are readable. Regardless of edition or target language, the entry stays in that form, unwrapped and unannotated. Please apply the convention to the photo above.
h=5 m=26 s=4
